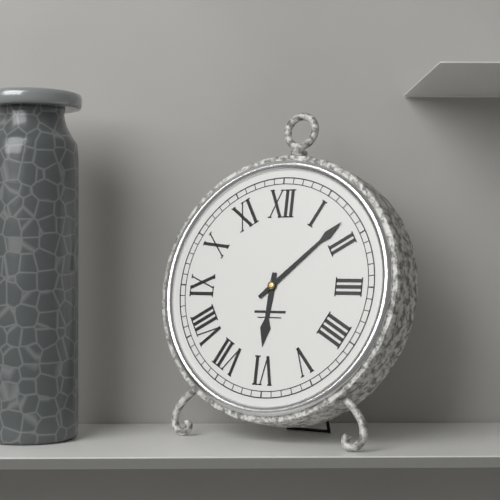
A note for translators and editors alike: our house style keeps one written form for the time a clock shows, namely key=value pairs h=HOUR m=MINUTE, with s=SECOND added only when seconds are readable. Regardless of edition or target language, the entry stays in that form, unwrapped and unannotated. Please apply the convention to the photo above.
h=6 m=8
